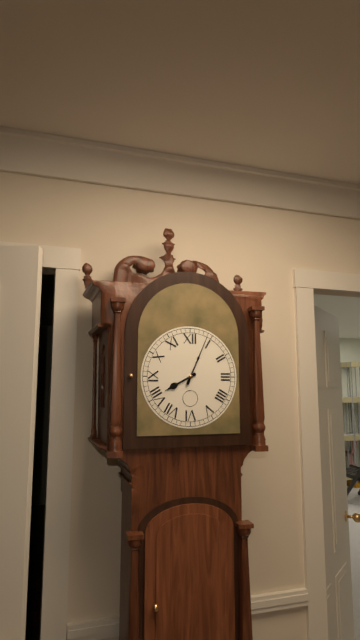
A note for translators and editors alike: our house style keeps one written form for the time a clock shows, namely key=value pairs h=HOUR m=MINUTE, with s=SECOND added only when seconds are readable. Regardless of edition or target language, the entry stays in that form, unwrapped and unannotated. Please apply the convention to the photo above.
h=8 m=4
